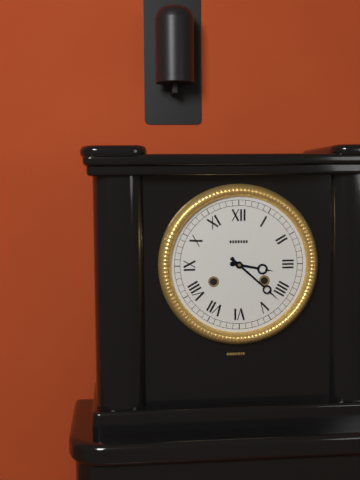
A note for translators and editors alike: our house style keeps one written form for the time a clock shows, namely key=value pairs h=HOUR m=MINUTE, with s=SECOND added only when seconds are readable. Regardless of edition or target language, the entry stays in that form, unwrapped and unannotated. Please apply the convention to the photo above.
h=3 m=22
